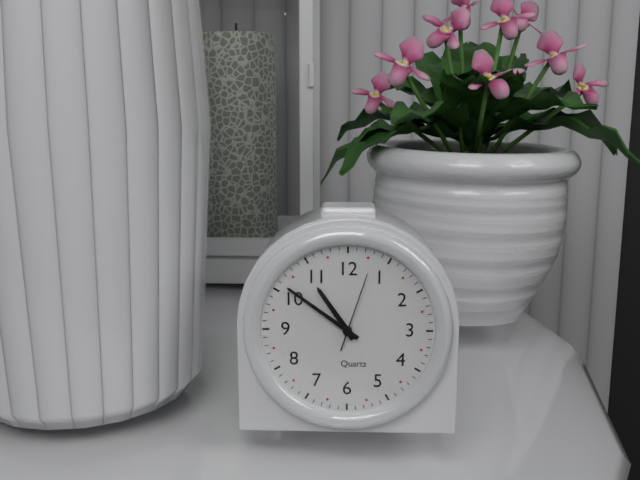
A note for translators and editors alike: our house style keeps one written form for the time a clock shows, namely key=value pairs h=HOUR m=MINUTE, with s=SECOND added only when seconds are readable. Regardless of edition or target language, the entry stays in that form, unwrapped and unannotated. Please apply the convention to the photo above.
h=10 m=51 s=3
